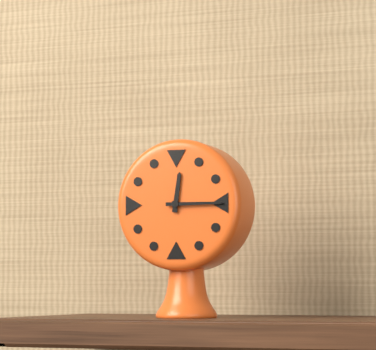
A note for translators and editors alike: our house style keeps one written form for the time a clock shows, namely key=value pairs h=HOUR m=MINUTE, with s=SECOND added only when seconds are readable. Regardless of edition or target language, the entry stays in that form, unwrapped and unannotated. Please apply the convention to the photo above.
h=12 m=15
